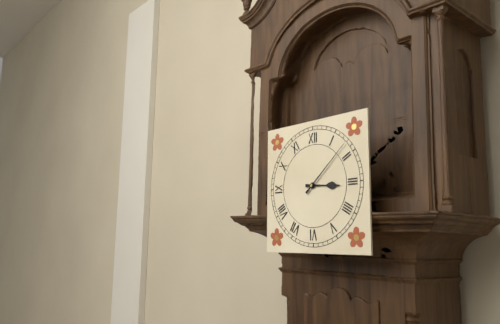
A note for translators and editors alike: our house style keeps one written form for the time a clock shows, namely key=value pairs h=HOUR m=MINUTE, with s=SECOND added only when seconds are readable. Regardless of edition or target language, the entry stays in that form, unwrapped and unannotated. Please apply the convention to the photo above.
h=3 m=8
